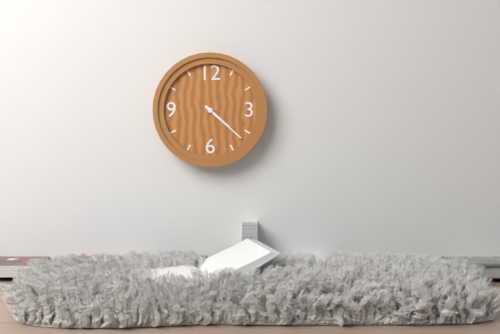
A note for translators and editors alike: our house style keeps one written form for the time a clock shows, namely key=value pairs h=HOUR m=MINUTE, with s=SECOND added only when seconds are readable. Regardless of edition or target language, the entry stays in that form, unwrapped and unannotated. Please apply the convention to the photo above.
h=4 m=22
